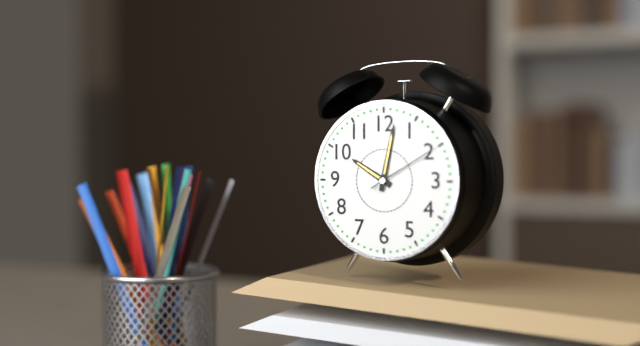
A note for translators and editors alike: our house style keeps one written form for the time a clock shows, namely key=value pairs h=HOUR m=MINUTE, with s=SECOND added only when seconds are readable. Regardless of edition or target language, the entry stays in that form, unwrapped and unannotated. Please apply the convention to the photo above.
h=10 m=2 s=10
